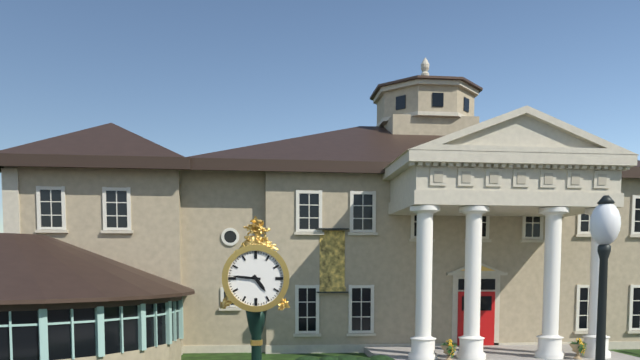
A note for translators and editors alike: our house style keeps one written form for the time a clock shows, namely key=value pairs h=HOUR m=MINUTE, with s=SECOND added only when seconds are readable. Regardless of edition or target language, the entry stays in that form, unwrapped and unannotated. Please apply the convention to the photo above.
h=4 m=46
